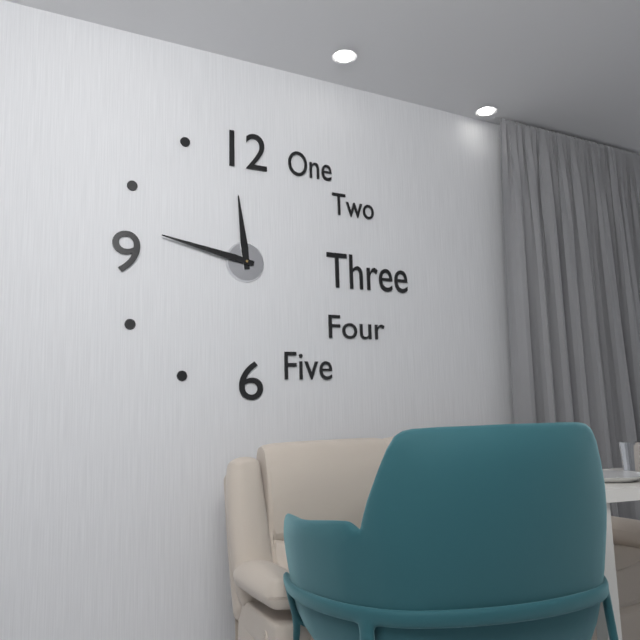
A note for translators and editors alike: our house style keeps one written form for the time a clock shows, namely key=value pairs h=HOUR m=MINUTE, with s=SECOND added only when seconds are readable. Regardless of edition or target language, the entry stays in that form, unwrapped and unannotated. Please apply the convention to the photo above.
h=11 m=47
